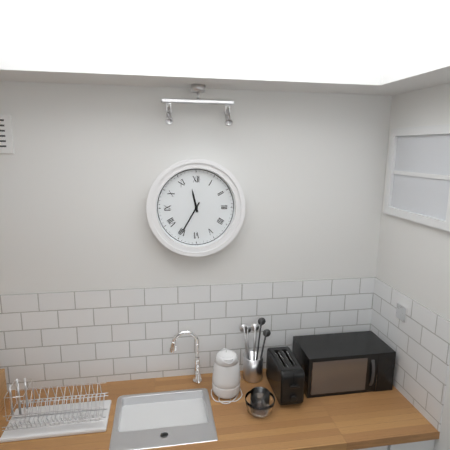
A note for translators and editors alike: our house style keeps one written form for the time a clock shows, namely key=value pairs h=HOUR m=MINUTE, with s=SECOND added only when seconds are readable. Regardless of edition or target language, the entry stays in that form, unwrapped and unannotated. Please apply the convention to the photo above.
h=11 m=35
